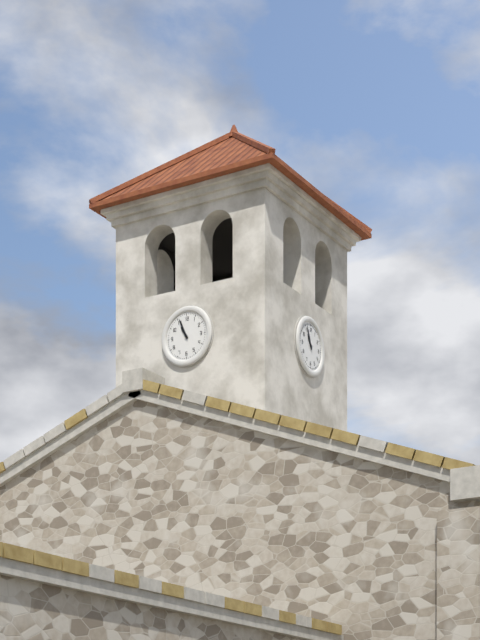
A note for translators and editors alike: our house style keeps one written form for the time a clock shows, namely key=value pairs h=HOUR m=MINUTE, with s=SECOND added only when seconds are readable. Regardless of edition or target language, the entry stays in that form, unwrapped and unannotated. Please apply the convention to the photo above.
h=10 m=56
